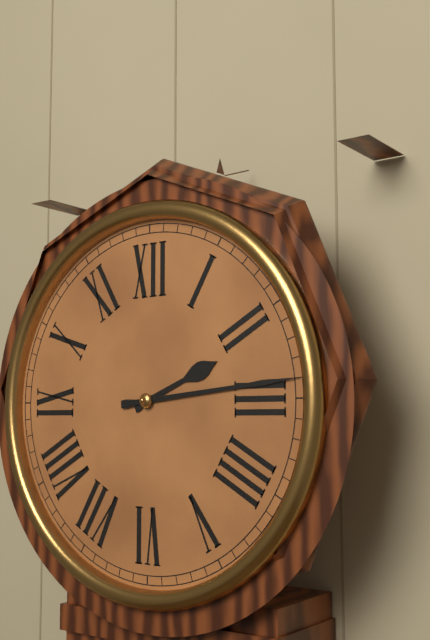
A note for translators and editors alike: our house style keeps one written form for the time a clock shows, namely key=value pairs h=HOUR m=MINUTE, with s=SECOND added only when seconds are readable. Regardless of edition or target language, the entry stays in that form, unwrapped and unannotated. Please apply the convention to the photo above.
h=2 m=14
